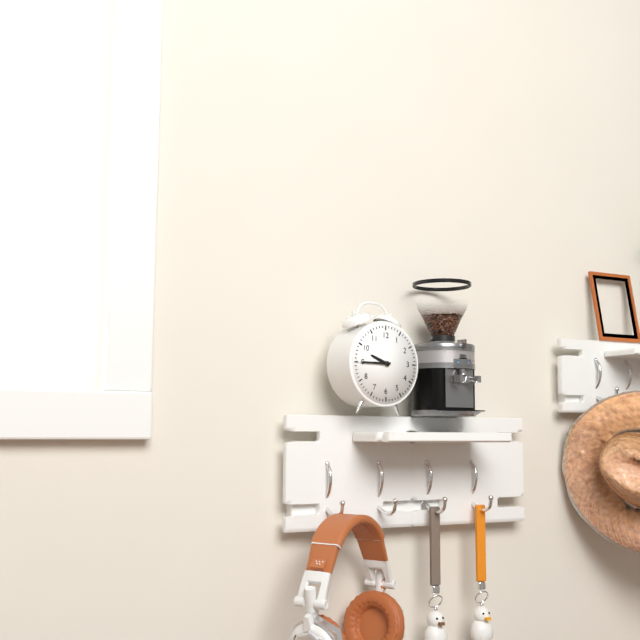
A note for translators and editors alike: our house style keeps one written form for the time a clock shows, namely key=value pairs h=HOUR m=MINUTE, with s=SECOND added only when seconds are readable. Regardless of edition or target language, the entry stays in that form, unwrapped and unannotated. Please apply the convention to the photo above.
h=9 m=45
